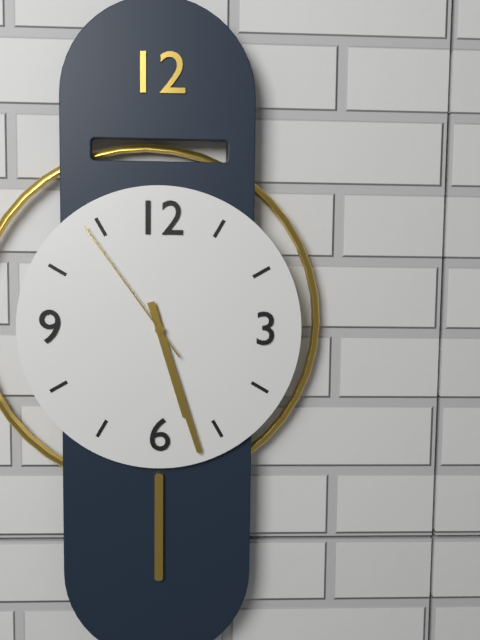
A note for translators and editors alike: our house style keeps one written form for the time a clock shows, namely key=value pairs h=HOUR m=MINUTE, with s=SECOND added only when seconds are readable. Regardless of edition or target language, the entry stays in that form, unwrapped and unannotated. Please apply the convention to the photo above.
h=5 m=27 s=54
